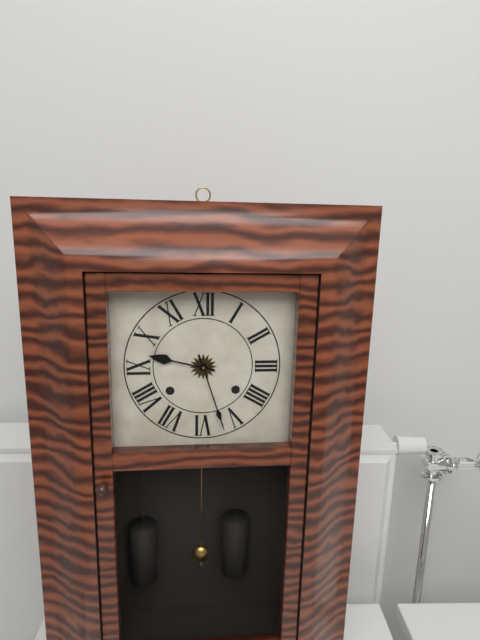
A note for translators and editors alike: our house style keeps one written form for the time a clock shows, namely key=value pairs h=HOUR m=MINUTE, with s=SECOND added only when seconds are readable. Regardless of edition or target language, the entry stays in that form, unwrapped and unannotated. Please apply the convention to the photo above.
h=9 m=27
